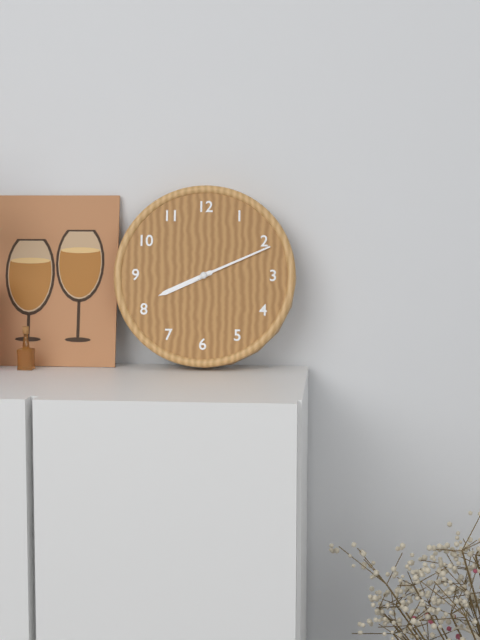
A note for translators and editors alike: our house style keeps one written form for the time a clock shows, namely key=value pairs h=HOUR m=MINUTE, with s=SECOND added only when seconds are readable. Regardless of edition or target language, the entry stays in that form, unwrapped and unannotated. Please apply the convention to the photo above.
h=8 m=11
